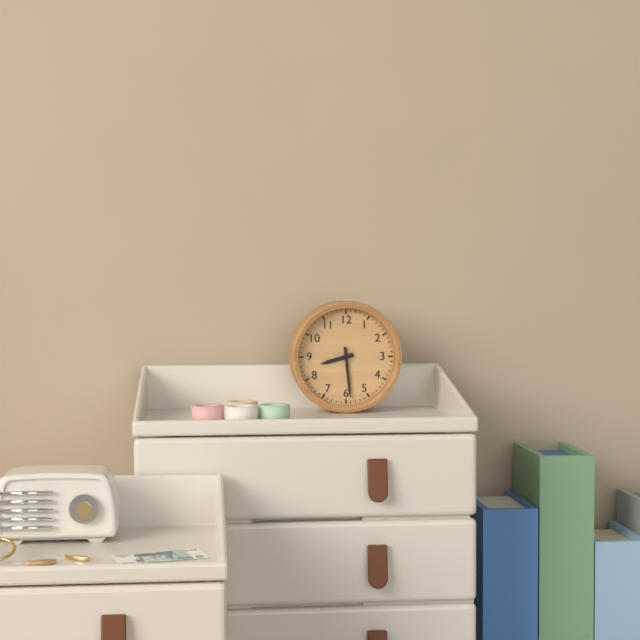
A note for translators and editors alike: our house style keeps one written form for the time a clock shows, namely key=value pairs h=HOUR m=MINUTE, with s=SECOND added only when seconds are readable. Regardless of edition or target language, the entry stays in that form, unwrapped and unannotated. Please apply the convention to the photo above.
h=8 m=29
